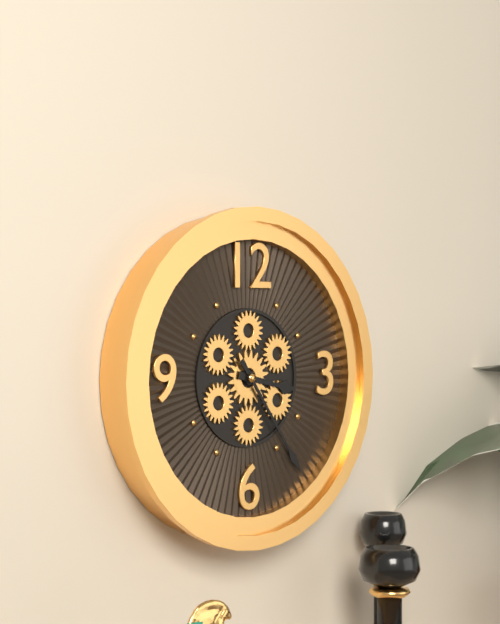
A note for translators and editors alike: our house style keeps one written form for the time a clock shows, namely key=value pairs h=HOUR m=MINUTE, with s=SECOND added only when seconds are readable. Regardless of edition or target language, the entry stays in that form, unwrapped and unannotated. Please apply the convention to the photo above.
h=3 m=24
